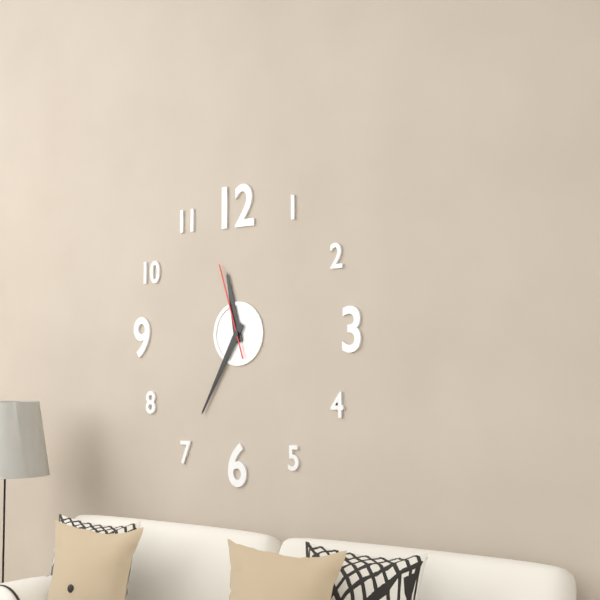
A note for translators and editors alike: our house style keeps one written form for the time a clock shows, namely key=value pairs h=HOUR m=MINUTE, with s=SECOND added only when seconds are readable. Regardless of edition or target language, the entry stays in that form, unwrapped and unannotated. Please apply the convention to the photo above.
h=11 m=35 s=57
